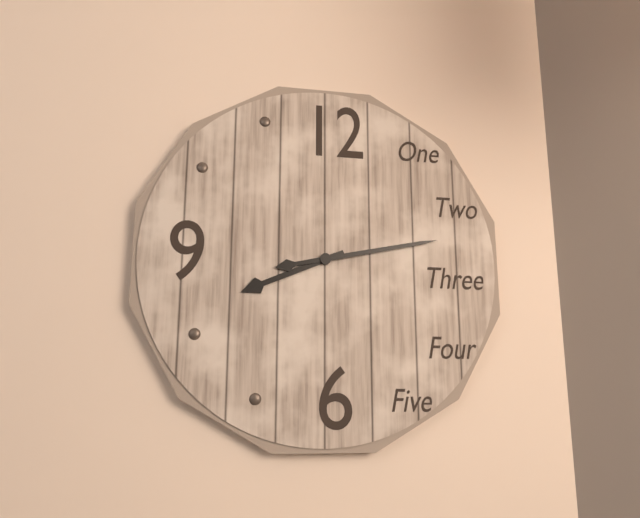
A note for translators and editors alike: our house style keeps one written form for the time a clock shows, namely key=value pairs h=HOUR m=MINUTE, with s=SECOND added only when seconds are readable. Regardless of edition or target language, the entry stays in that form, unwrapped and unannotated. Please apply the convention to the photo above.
h=8 m=13
